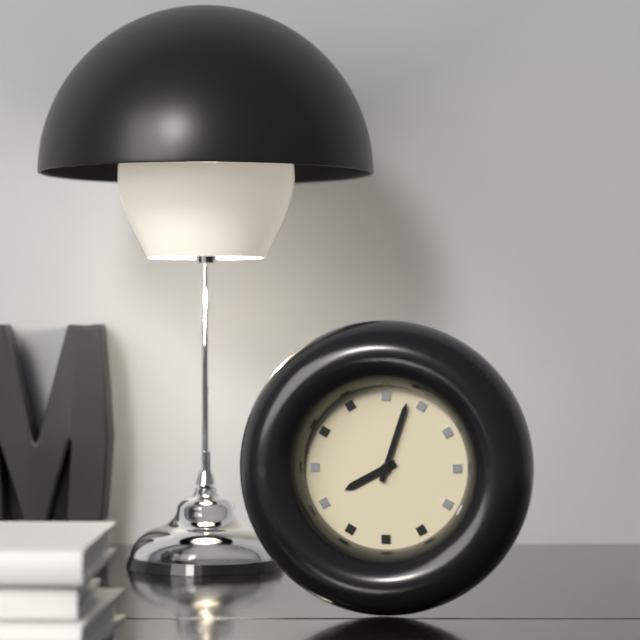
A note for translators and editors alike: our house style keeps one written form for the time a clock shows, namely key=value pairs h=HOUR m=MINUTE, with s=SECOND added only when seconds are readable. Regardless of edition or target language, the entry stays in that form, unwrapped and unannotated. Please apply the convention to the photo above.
h=8 m=3
